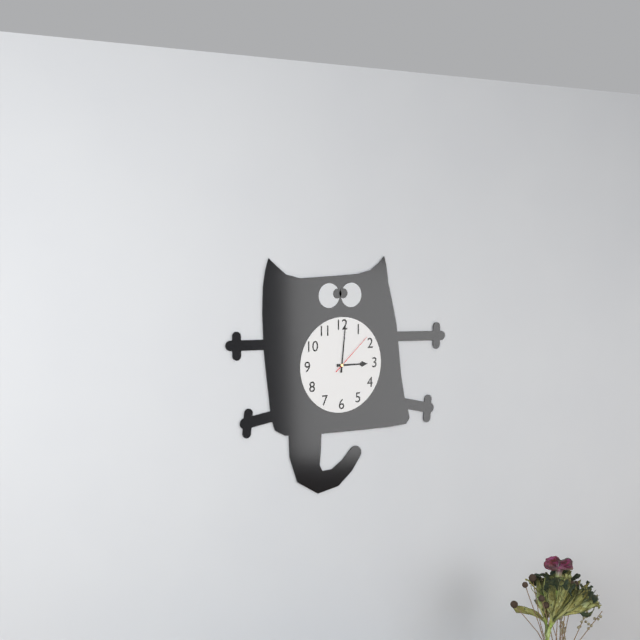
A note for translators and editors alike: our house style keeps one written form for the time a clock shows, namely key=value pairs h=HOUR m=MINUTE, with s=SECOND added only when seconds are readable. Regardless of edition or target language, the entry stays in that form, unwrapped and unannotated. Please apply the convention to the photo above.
h=3 m=1
